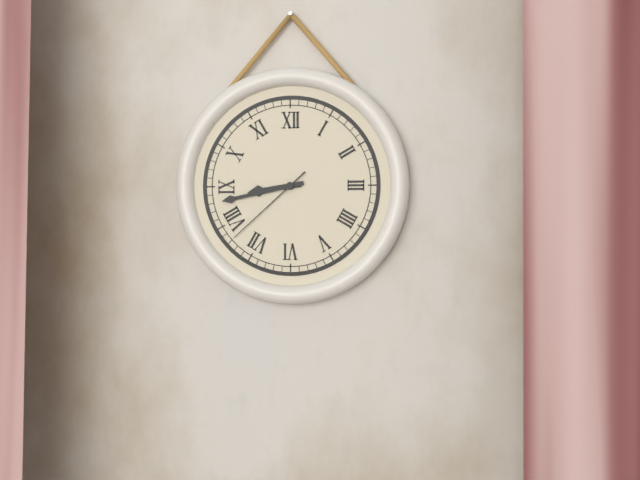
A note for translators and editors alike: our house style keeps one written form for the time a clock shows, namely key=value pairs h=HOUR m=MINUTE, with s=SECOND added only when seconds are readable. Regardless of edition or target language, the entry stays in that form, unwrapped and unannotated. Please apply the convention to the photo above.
h=8 m=43 s=38
